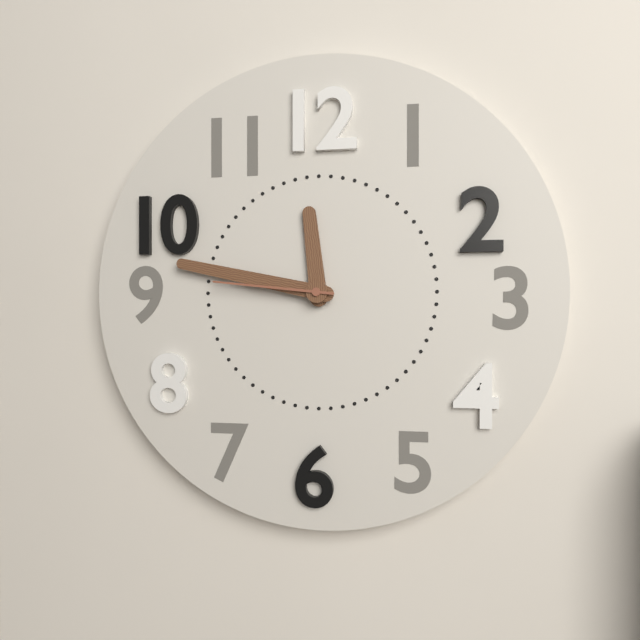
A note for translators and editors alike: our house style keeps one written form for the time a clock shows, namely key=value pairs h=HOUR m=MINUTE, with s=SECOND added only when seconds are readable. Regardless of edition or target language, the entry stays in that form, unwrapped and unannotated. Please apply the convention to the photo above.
h=11 m=47 s=46
